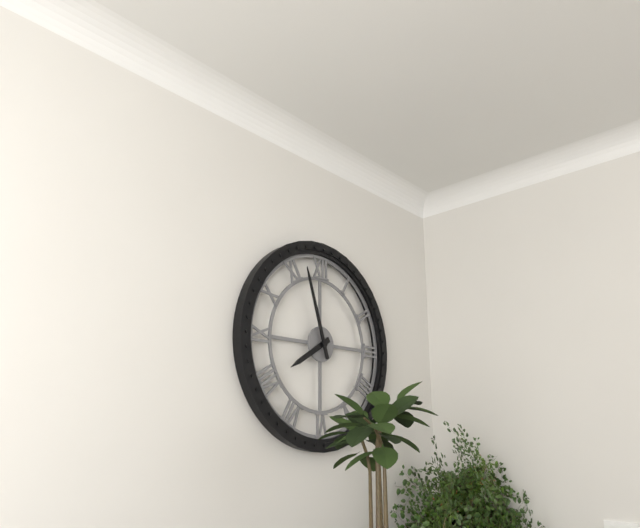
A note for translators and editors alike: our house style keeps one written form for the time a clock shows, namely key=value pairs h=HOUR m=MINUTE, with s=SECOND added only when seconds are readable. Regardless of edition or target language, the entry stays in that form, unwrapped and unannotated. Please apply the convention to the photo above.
h=7 m=57
